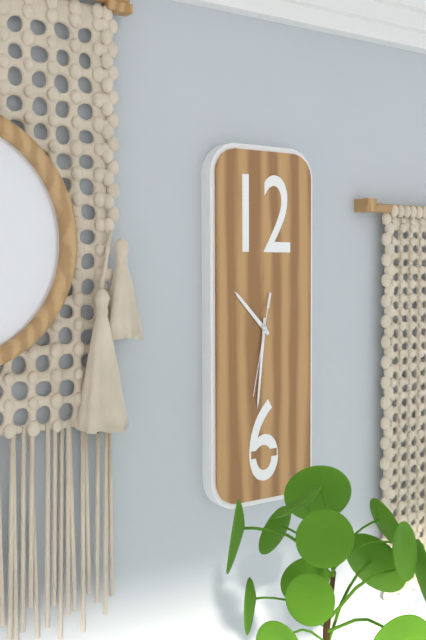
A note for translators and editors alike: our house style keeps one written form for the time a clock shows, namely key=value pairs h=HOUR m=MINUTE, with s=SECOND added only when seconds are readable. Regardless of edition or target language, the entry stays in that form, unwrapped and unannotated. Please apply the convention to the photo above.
h=10 m=31 s=32
